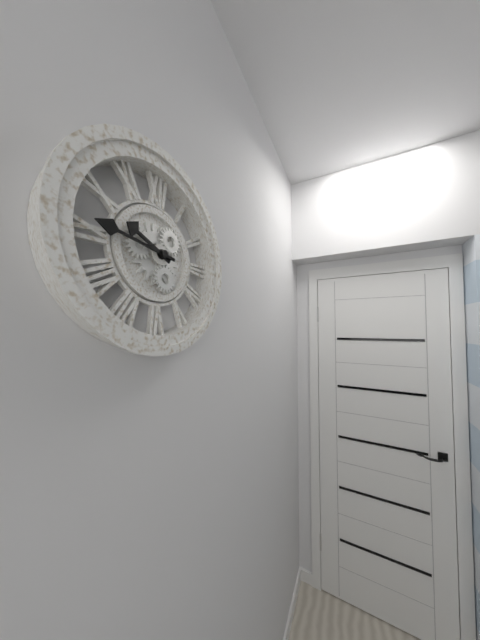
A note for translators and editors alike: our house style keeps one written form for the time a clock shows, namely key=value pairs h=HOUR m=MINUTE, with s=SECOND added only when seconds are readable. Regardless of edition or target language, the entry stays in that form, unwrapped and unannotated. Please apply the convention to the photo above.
h=9 m=46
